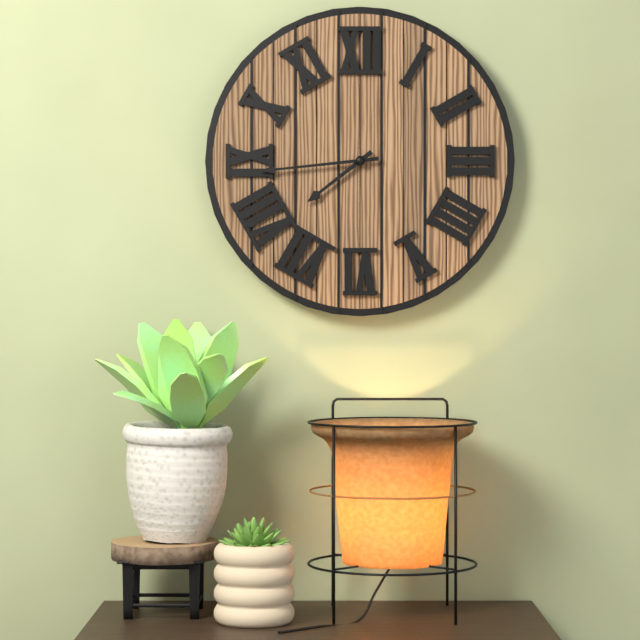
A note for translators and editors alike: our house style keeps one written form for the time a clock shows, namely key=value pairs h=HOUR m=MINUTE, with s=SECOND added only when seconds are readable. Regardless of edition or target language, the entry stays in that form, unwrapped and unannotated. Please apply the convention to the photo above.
h=7 m=44
